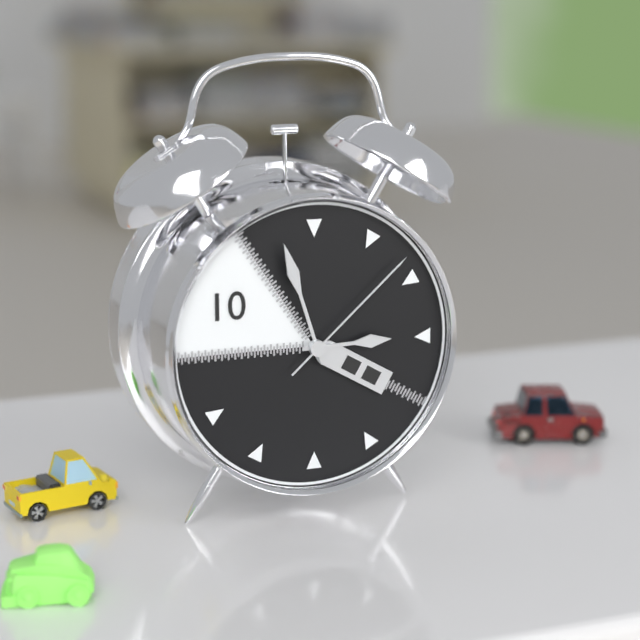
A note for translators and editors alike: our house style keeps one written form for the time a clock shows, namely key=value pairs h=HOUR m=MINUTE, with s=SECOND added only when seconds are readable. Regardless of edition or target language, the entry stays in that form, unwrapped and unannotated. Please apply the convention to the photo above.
h=2 m=57 s=8
